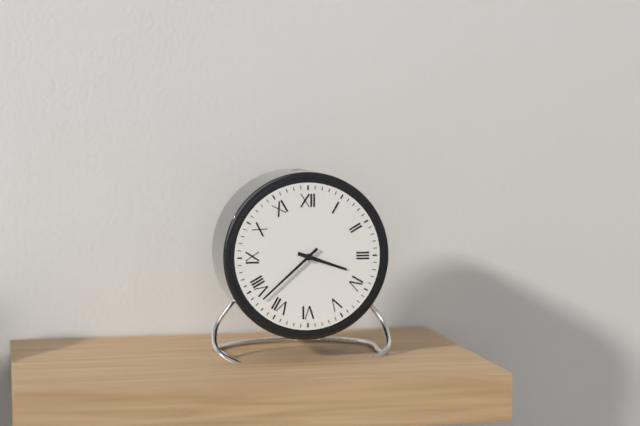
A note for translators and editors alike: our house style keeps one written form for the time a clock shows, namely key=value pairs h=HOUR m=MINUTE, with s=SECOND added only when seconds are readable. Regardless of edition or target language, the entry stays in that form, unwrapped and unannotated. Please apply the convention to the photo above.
h=3 m=38
